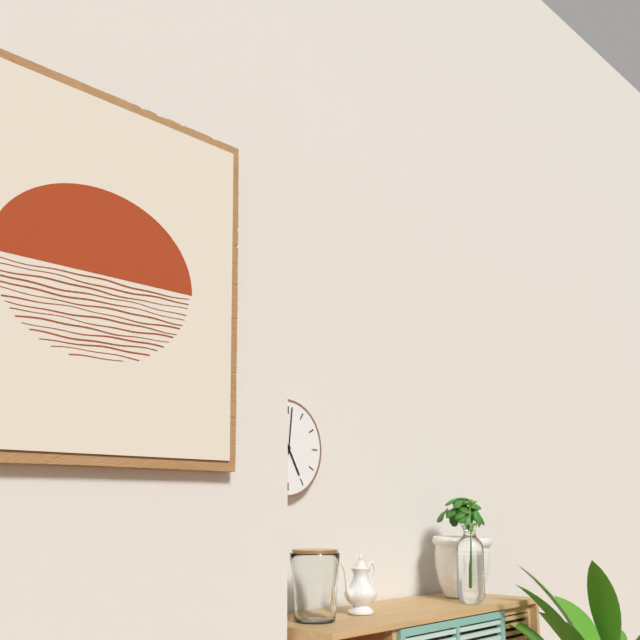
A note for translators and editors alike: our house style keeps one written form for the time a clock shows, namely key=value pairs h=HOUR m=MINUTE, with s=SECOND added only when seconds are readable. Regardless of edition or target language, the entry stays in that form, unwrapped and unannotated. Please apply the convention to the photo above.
h=5 m=1
